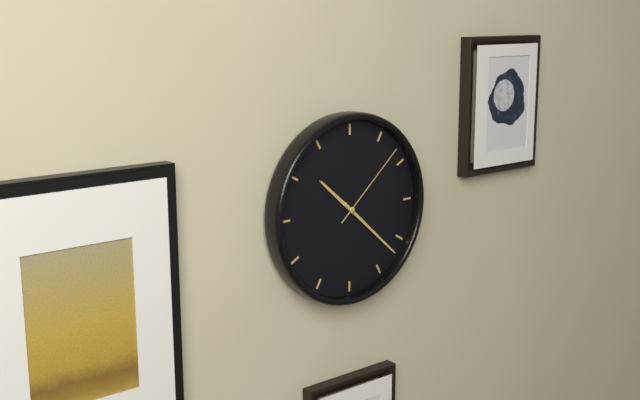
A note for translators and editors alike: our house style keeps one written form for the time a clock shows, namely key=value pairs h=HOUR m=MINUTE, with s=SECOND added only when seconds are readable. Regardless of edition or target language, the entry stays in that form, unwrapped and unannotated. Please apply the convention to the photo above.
h=10 m=22 s=8
